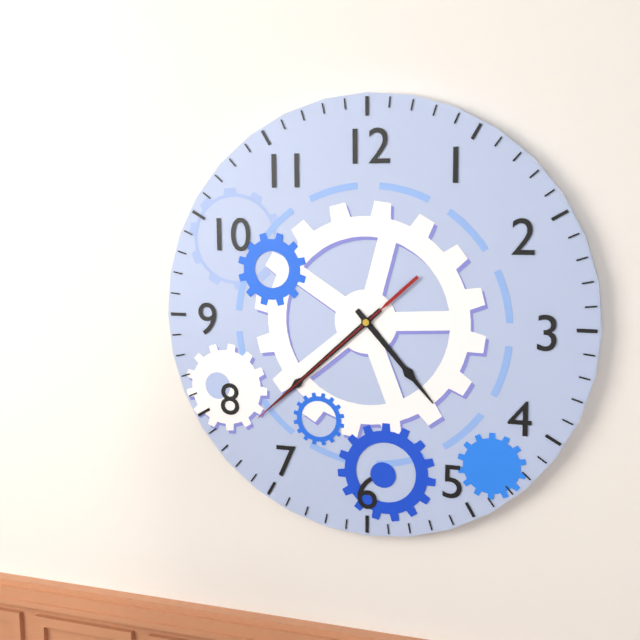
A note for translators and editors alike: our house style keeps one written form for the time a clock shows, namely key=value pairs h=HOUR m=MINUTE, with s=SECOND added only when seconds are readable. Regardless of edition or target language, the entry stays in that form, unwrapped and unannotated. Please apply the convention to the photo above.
h=4 m=38 s=38
